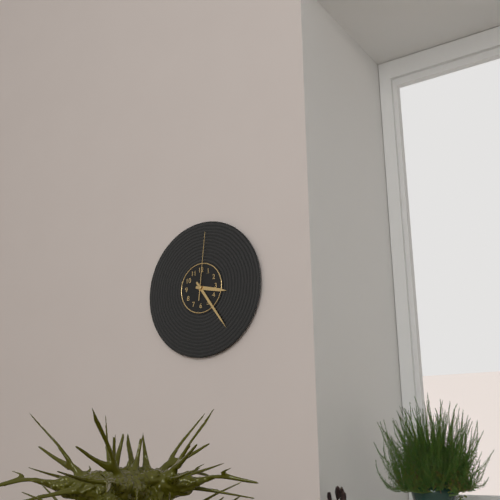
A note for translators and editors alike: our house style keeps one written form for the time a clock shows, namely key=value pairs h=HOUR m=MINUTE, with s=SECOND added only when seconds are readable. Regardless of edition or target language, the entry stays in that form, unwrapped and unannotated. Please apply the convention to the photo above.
h=3 m=24 s=1
